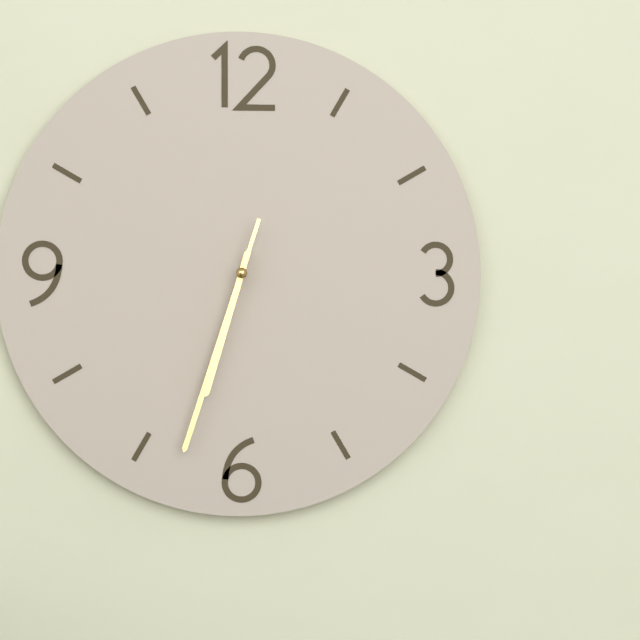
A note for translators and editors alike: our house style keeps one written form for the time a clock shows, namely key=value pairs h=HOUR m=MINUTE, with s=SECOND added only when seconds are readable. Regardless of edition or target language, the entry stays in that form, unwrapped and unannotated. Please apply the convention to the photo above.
h=6 m=33 s=33
